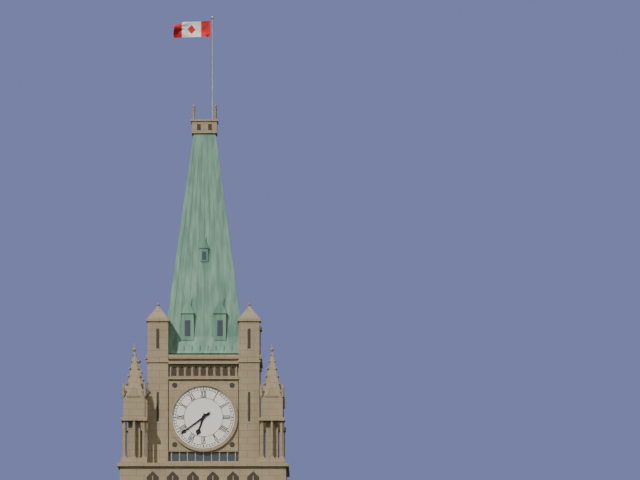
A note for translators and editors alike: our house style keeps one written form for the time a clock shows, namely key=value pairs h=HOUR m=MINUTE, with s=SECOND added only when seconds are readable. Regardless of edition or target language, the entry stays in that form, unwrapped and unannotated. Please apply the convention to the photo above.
h=6 m=39
